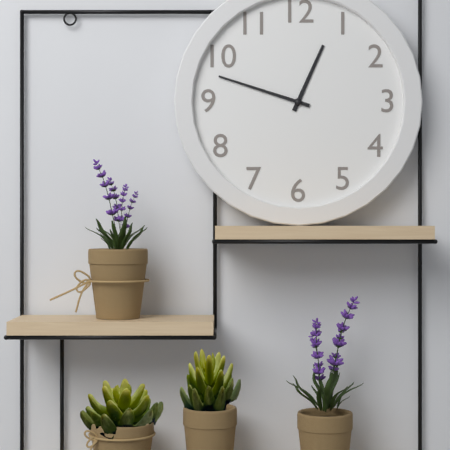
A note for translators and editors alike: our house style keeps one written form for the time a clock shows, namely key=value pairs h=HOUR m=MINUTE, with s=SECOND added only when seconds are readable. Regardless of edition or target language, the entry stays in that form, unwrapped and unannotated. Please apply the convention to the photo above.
h=12 m=48
